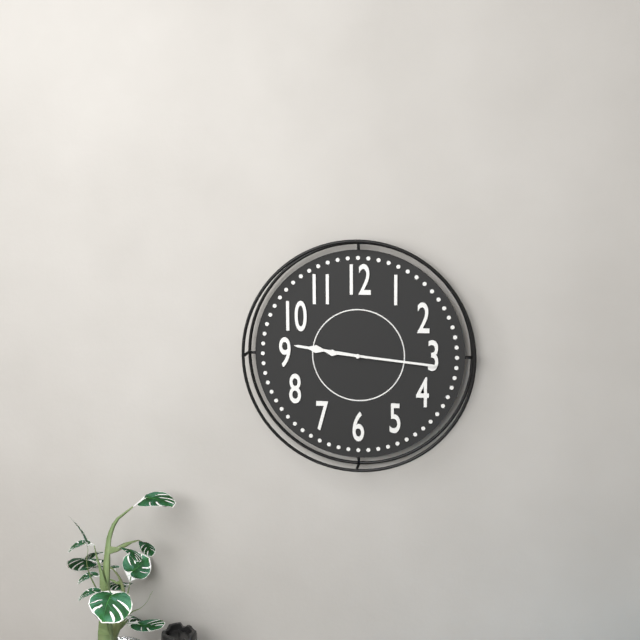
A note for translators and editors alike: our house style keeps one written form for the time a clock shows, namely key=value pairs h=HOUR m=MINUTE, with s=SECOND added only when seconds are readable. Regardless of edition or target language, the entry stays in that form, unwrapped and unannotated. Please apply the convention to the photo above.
h=9 m=16
